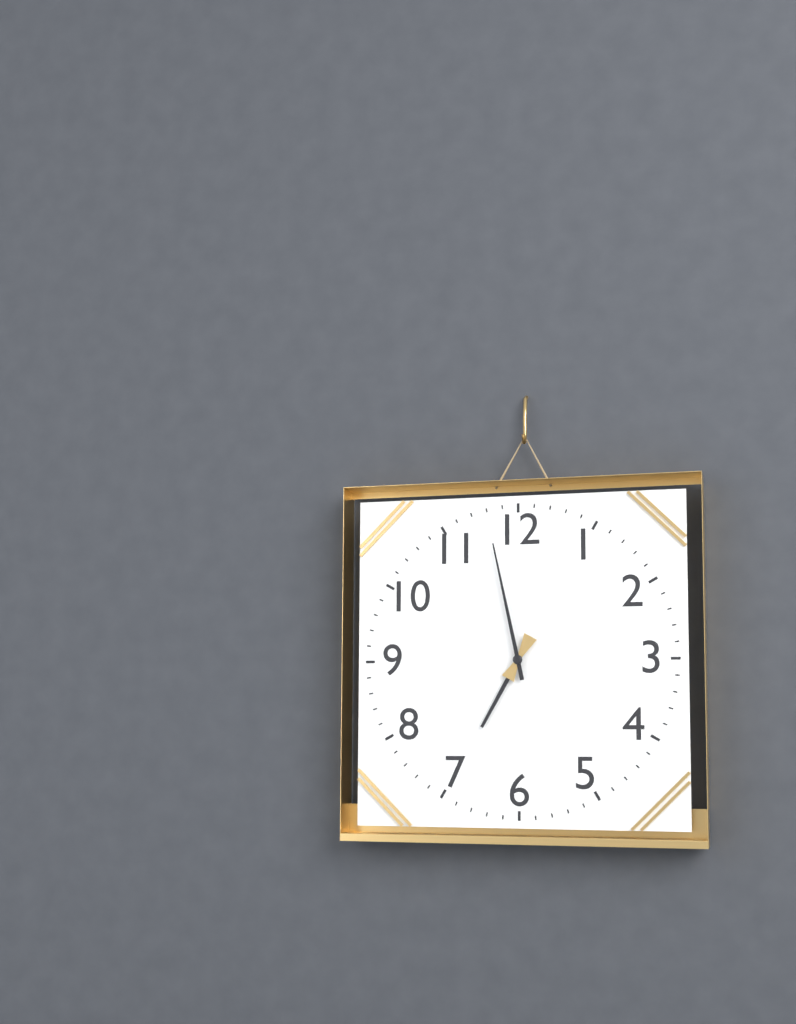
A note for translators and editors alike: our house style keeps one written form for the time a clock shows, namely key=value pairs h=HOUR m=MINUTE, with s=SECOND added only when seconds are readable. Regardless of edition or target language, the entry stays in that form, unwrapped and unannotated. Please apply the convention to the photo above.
h=6 m=58
